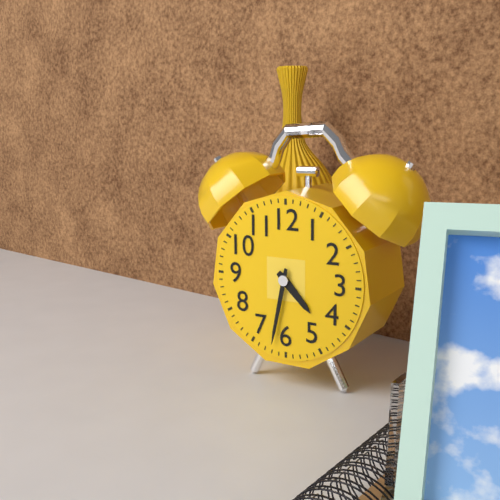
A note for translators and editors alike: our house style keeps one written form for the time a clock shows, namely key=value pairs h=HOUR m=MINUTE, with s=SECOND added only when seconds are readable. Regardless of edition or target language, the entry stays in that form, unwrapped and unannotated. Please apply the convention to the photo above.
h=4 m=32
